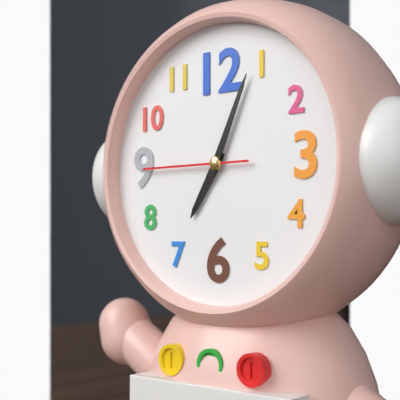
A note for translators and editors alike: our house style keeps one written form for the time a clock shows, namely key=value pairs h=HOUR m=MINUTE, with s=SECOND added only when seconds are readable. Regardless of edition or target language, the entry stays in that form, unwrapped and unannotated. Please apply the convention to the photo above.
h=7 m=4 s=45
